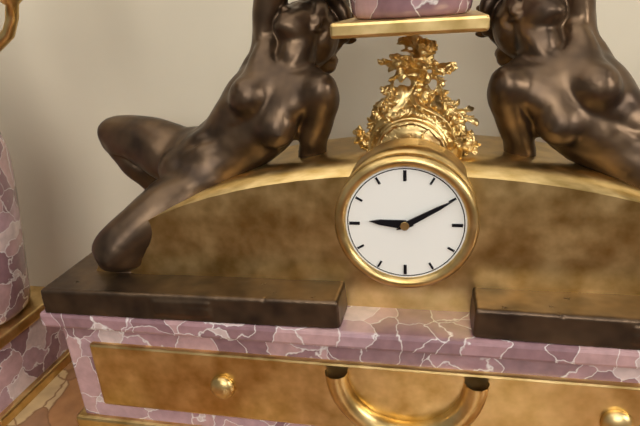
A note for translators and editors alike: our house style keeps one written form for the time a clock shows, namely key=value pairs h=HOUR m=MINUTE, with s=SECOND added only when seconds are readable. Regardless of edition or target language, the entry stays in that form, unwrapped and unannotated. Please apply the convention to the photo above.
h=9 m=10
